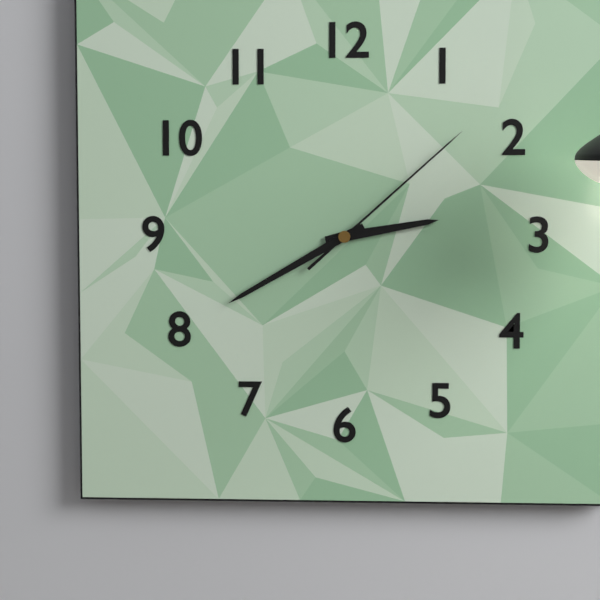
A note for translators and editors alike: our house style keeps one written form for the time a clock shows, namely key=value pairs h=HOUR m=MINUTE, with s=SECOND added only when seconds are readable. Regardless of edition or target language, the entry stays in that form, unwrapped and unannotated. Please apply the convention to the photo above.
h=2 m=40 s=8
